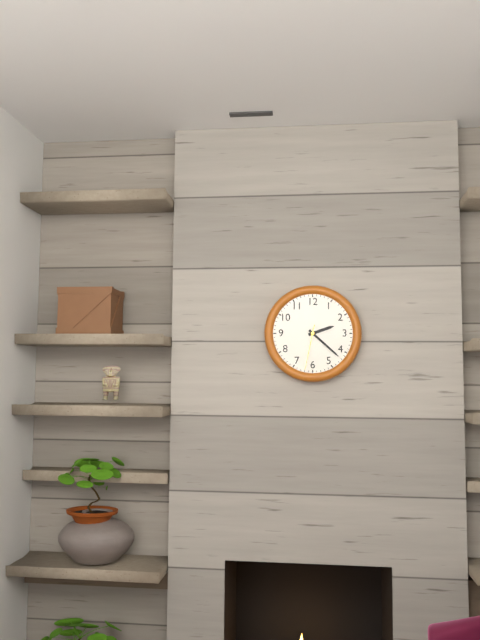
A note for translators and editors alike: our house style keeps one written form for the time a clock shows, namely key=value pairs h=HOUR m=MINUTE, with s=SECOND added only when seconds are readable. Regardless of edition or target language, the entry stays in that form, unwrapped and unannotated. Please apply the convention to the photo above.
h=2 m=22
